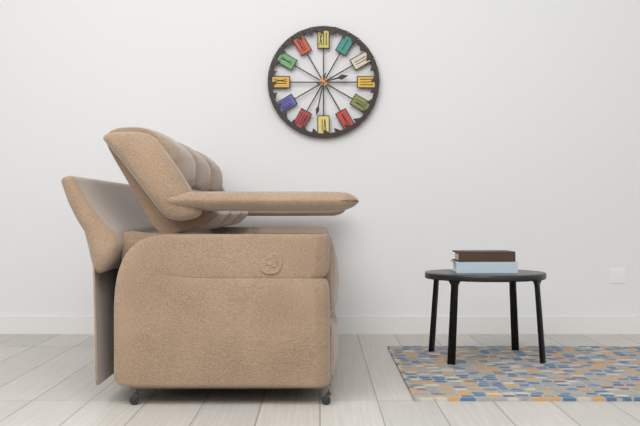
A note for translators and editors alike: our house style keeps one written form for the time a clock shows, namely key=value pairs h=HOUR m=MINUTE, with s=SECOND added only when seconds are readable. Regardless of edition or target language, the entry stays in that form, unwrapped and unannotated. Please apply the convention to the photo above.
h=2 m=32
